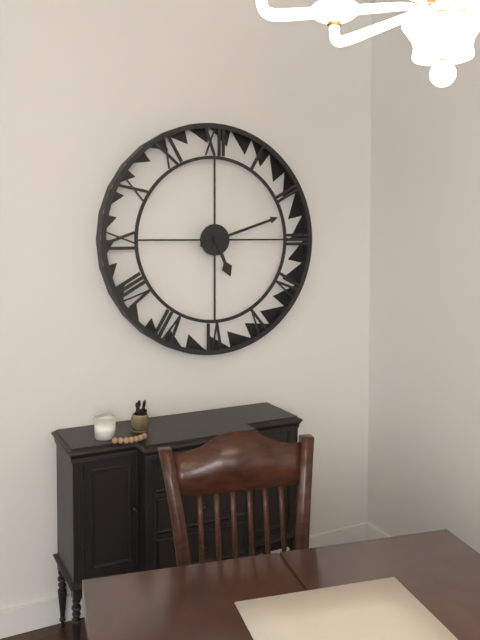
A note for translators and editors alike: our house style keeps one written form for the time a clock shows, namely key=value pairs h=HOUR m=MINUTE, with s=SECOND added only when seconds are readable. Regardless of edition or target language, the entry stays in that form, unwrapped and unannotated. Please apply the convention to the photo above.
h=5 m=12
